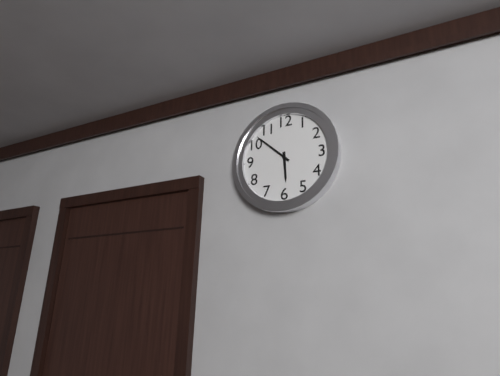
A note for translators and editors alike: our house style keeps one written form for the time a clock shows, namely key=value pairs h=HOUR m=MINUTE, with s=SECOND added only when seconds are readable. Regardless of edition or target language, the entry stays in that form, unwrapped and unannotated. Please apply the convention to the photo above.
h=5 m=52
